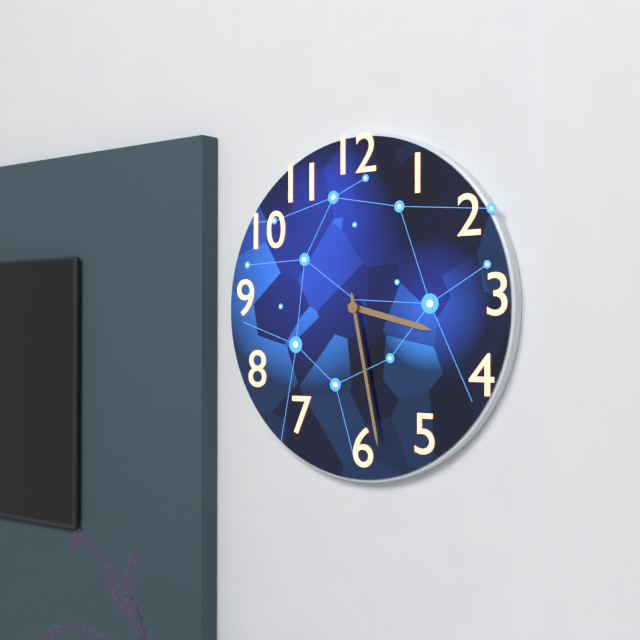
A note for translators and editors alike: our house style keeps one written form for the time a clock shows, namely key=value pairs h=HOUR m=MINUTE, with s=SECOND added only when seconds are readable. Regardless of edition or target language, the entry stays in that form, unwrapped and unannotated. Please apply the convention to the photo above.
h=3 m=28
